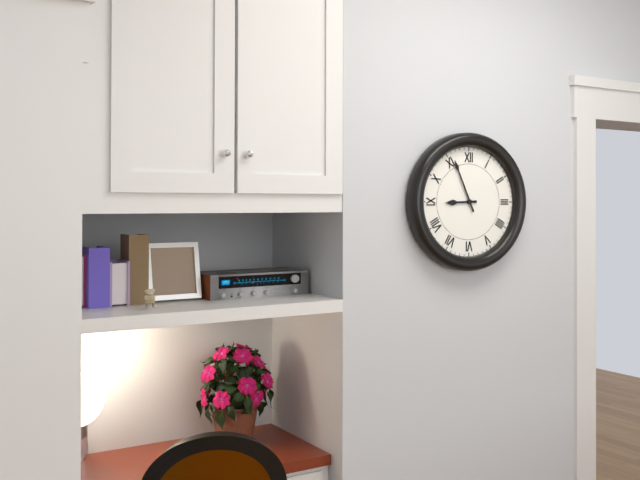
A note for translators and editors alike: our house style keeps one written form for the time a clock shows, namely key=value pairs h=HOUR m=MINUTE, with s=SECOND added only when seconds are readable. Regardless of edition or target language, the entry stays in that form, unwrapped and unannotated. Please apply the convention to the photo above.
h=8 m=56
